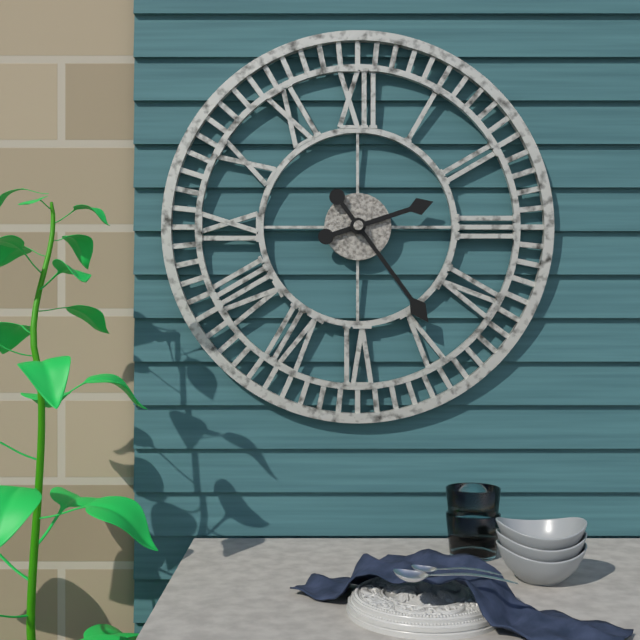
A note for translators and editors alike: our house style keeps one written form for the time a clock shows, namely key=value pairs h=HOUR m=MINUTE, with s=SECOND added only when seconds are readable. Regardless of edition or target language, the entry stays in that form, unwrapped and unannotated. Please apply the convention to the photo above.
h=2 m=24
